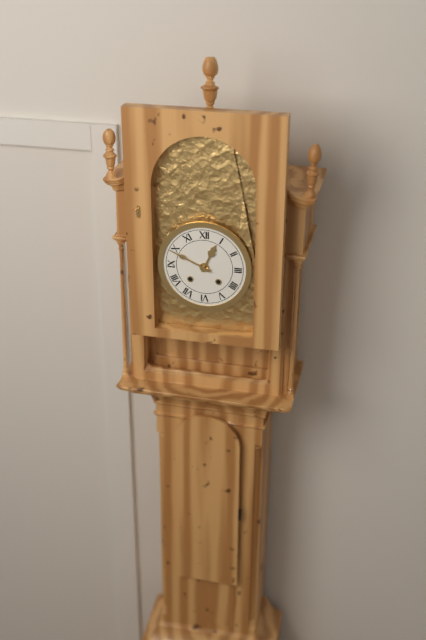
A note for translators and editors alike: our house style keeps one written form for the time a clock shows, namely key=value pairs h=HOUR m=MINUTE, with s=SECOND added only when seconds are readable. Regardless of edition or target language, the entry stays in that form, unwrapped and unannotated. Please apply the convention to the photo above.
h=12 m=49
